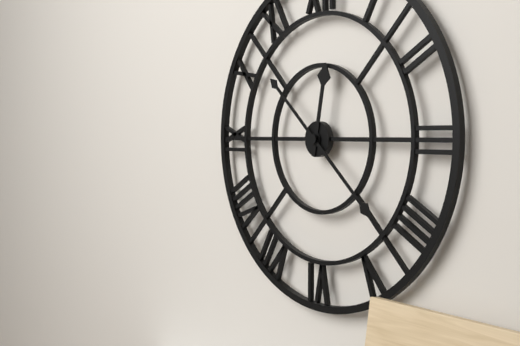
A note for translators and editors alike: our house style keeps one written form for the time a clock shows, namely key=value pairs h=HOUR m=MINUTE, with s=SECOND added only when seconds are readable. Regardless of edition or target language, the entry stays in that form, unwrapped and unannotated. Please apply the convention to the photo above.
h=12 m=22
